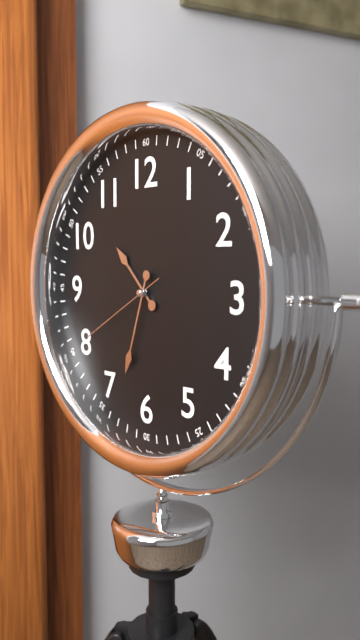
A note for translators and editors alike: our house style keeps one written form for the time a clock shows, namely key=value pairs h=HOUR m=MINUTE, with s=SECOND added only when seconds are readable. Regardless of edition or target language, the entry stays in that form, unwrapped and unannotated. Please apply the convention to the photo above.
h=10 m=33 s=40
